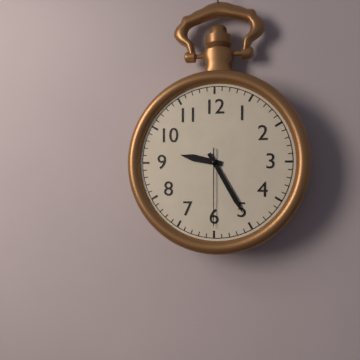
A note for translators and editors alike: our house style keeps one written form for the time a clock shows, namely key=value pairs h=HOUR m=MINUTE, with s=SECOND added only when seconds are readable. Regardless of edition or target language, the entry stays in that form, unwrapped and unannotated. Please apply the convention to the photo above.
h=9 m=25 s=30
